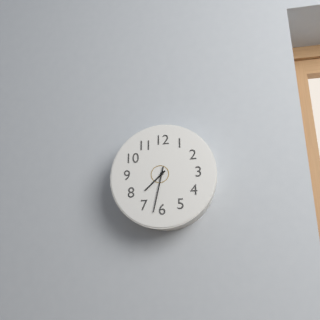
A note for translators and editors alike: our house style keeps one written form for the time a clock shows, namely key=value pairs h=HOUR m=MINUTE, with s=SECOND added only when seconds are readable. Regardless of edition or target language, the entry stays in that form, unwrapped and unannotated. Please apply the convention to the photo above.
h=7 m=32
